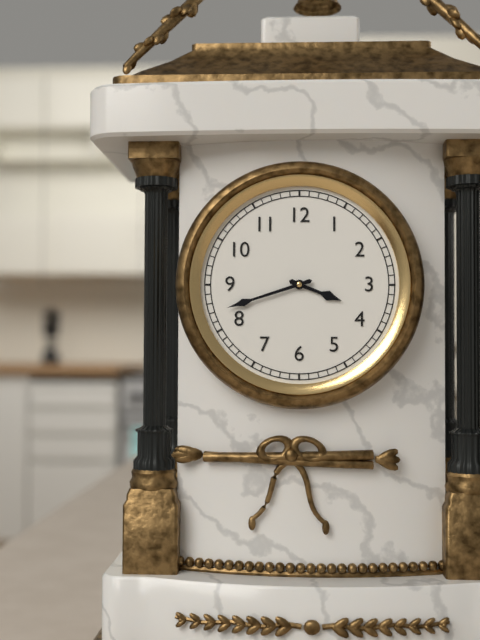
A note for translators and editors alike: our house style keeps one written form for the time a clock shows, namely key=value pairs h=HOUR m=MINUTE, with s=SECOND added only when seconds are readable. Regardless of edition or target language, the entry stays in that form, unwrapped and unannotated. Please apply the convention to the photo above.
h=3 m=42
